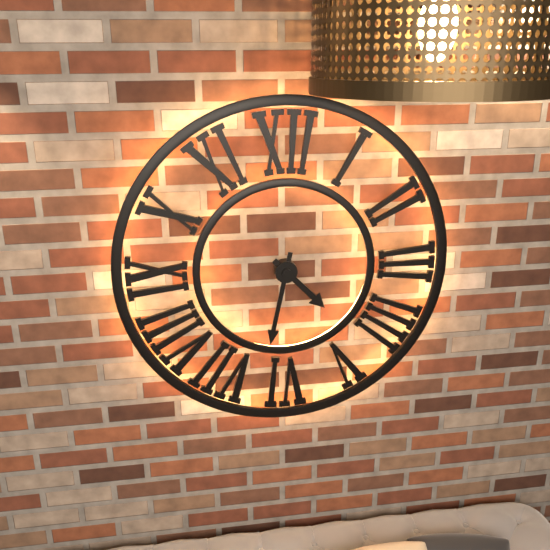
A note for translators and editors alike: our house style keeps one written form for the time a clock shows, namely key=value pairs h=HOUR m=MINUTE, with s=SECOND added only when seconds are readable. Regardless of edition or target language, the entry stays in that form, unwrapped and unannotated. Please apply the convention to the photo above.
h=4 m=32
